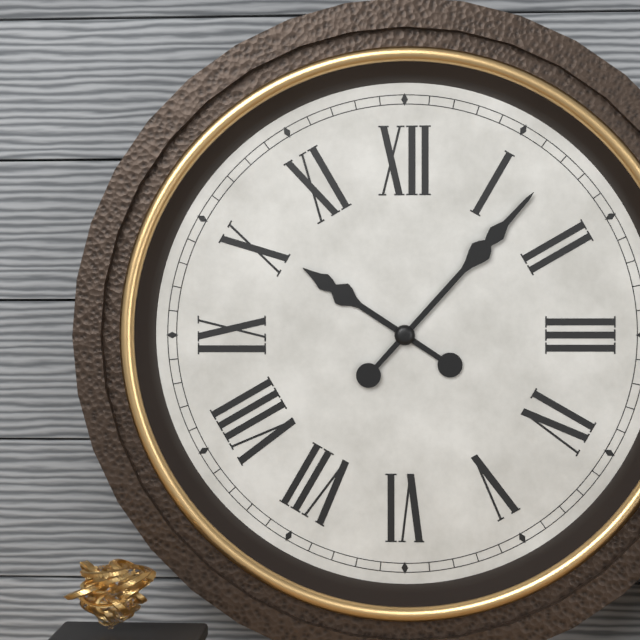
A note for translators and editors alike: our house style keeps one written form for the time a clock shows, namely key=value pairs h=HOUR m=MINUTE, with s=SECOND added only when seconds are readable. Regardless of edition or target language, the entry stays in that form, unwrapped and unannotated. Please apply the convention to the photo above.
h=10 m=7
